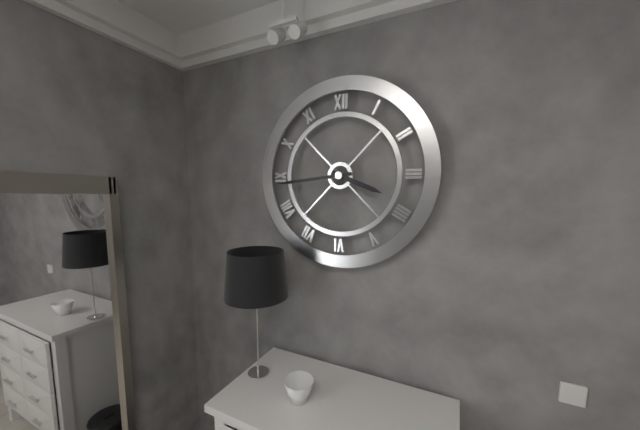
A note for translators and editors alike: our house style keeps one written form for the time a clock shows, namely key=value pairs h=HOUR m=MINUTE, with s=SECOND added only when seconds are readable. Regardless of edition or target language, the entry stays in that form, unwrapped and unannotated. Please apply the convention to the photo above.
h=3 m=44
